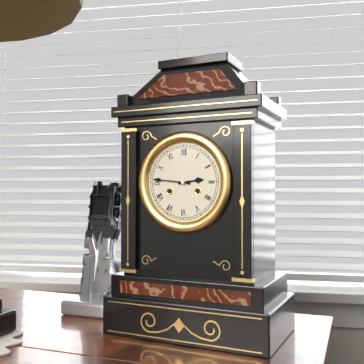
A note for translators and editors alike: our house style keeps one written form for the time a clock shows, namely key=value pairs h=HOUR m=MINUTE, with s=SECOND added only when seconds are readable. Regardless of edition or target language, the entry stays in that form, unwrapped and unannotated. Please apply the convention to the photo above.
h=2 m=46
